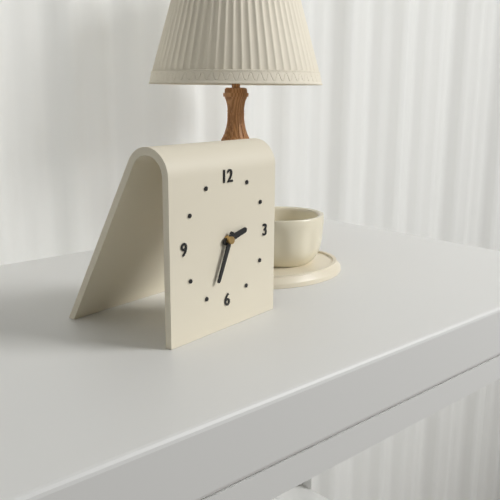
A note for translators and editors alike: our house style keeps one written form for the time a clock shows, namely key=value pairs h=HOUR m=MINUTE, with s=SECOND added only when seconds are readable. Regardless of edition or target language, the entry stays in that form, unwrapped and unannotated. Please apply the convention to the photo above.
h=2 m=34
